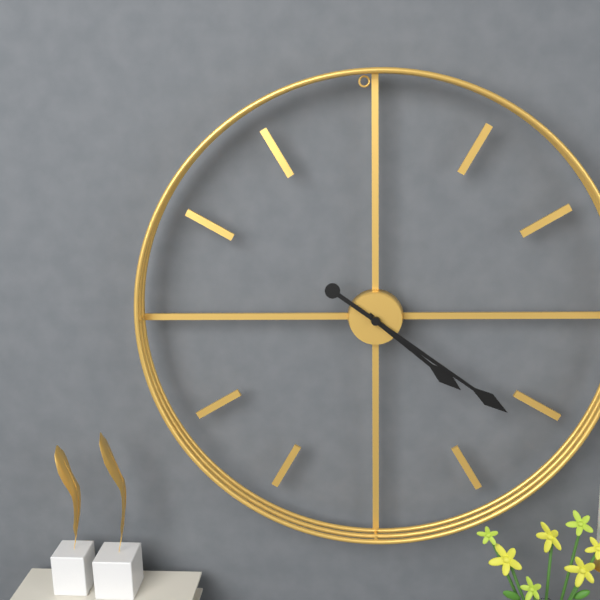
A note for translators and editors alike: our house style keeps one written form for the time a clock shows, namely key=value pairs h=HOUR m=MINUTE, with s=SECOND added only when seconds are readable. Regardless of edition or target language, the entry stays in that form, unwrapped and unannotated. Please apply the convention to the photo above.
h=4 m=21
